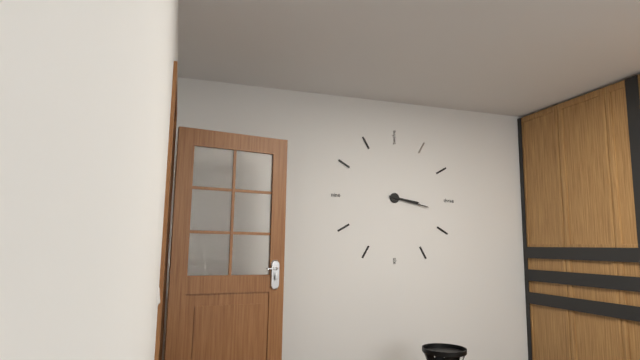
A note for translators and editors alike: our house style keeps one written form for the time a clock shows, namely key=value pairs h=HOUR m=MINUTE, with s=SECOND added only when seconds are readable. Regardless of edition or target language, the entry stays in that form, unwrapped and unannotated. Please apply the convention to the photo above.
h=3 m=17
